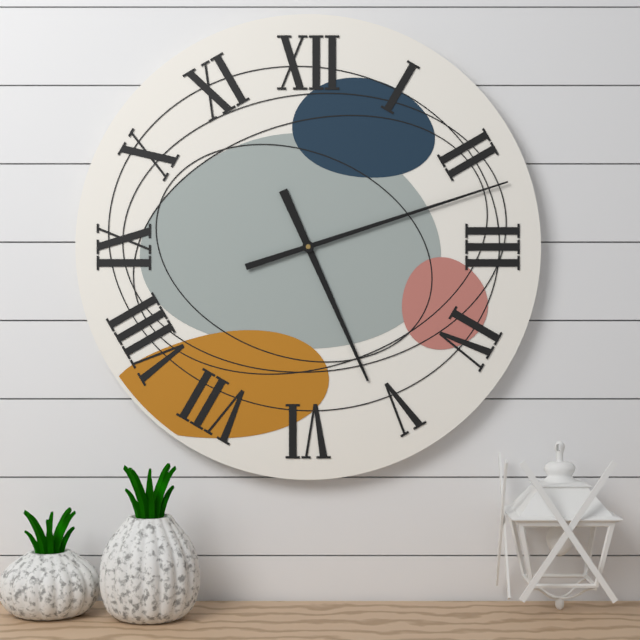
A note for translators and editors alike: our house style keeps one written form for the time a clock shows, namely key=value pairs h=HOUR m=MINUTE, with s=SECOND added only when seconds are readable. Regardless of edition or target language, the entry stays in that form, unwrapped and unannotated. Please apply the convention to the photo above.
h=5 m=12
